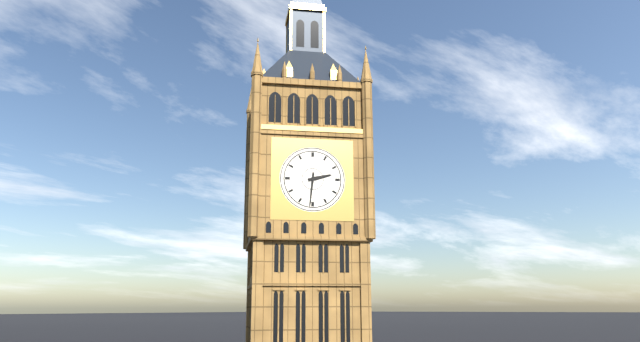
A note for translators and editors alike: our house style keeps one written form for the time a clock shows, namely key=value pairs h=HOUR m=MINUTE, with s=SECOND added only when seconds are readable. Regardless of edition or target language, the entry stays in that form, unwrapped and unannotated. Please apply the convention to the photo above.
h=2 m=31
